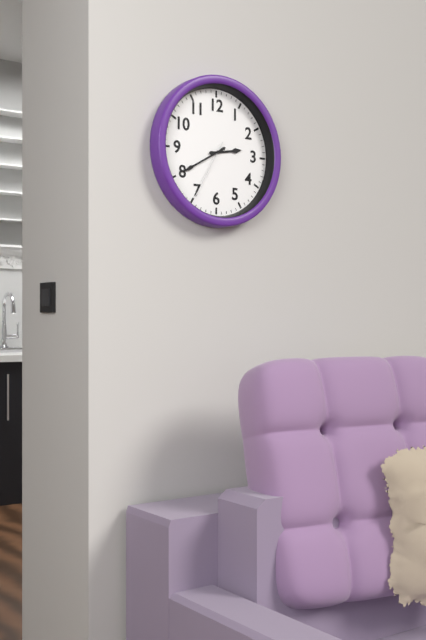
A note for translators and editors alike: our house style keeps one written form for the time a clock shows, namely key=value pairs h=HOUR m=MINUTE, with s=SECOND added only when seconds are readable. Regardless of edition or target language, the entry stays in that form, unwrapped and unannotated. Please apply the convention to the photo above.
h=2 m=40 s=35
